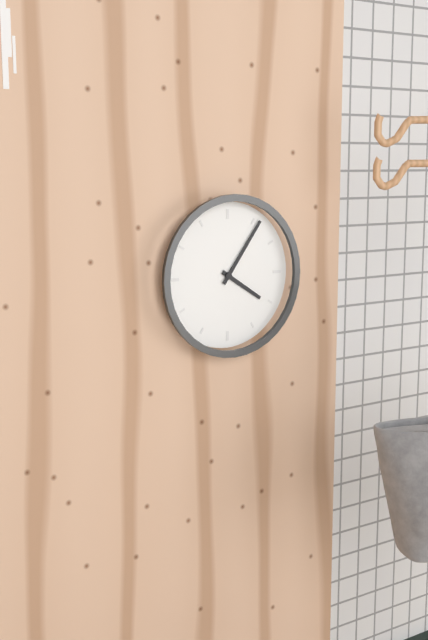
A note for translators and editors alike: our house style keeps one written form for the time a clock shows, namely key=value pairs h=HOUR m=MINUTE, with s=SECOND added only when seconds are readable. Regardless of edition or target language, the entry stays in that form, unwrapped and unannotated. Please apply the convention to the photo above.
h=4 m=6
